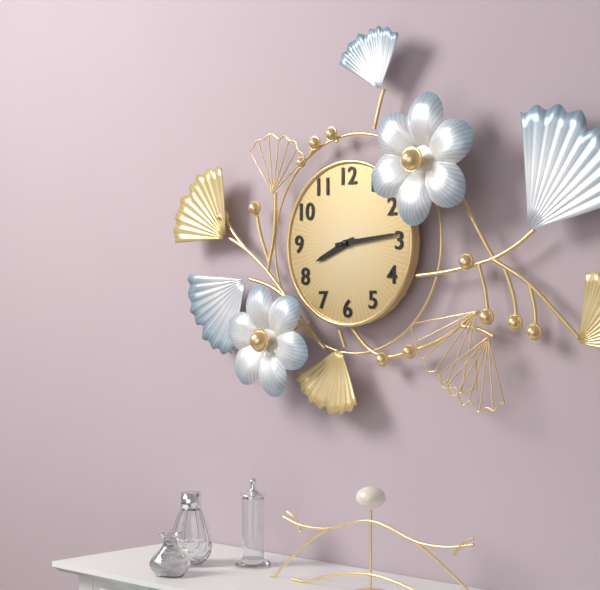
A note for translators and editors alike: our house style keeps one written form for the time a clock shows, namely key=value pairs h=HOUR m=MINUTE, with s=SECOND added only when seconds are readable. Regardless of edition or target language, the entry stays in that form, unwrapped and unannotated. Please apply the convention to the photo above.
h=8 m=14
